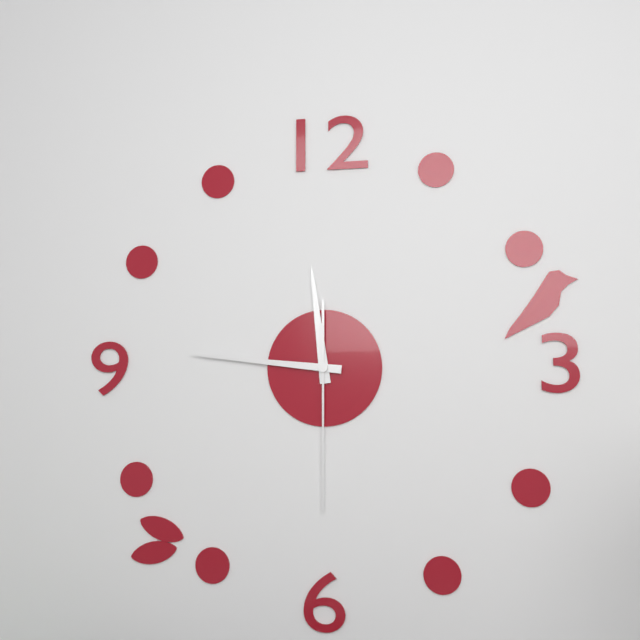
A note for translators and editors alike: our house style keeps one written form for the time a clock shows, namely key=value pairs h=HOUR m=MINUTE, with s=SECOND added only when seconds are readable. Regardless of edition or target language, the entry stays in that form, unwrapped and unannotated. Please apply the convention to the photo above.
h=11 m=46 s=30
